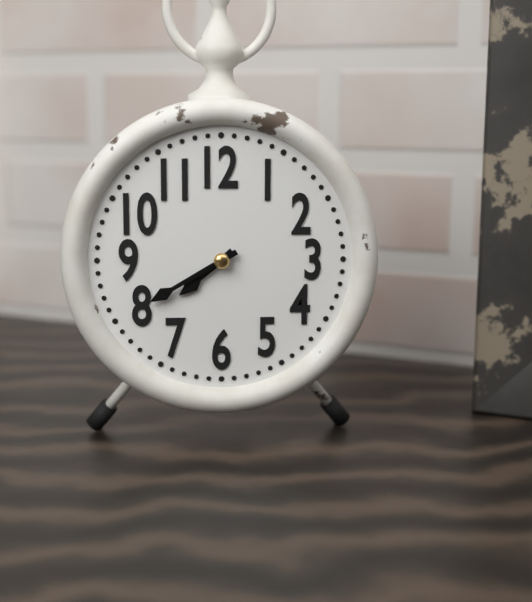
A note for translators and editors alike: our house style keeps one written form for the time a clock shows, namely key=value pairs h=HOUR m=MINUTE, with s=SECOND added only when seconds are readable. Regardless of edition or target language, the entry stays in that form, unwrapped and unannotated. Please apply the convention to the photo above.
h=7 m=40
